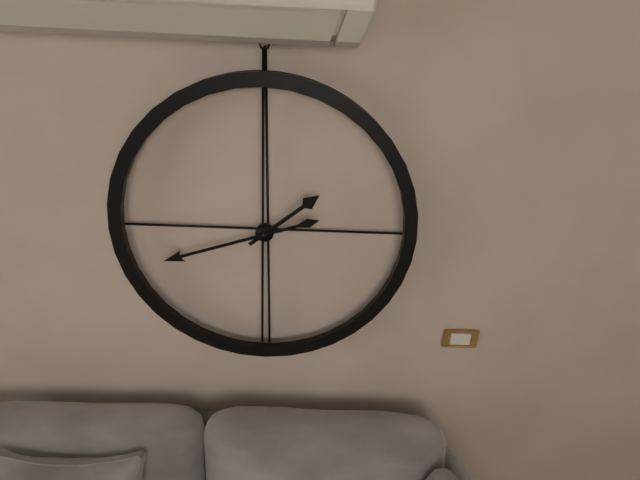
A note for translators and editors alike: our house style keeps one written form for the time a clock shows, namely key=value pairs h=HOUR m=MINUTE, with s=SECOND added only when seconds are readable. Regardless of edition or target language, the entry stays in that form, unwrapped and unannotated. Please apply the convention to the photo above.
h=1 m=42
